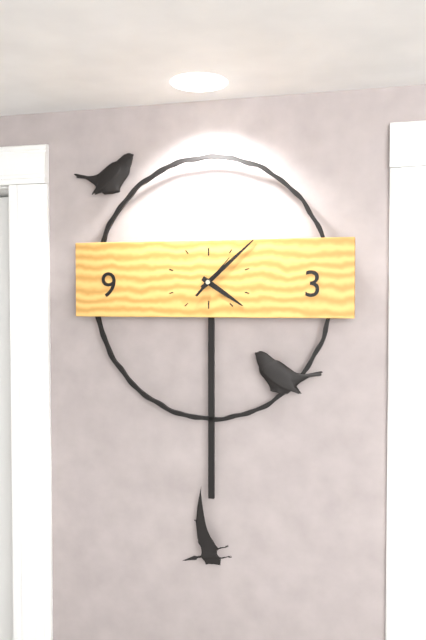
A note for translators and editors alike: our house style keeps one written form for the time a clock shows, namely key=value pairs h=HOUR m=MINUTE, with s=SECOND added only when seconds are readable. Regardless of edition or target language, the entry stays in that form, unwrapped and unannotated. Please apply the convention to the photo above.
h=4 m=8
